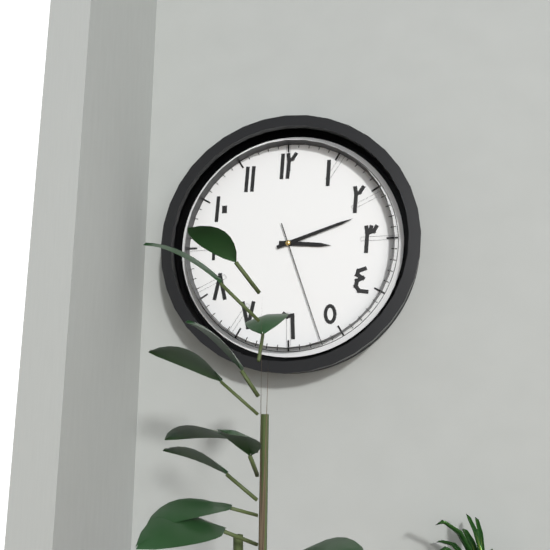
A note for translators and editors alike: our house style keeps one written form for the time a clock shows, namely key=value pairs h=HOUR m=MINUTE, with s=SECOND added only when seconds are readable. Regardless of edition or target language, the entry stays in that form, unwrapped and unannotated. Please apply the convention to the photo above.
h=3 m=12 s=27
